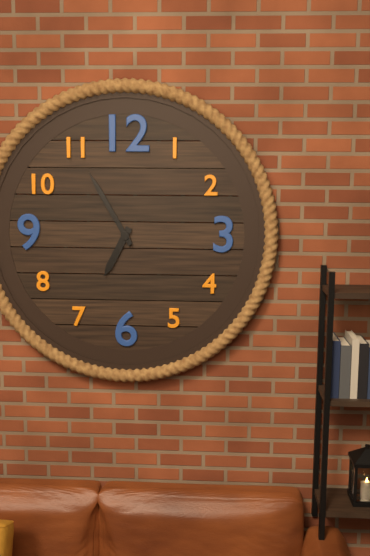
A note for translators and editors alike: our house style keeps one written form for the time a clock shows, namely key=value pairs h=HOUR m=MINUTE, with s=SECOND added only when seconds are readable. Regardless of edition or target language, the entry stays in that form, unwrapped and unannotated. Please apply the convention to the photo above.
h=6 m=55
